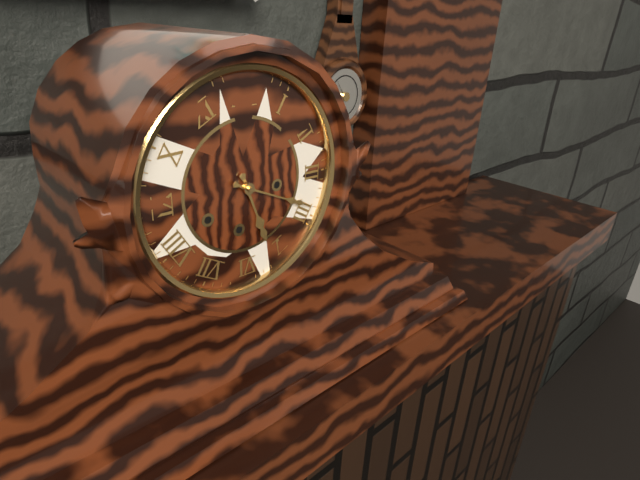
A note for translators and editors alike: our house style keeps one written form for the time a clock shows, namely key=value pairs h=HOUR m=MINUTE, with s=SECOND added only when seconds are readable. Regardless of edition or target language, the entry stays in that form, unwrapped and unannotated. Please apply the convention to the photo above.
h=5 m=19
